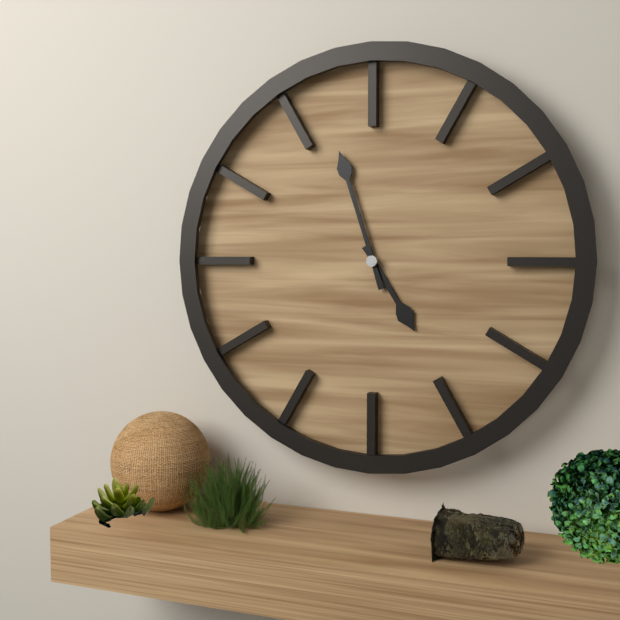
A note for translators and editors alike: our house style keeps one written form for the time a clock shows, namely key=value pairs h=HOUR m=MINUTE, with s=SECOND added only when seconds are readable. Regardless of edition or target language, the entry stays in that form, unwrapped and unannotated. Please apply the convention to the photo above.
h=4 m=57
